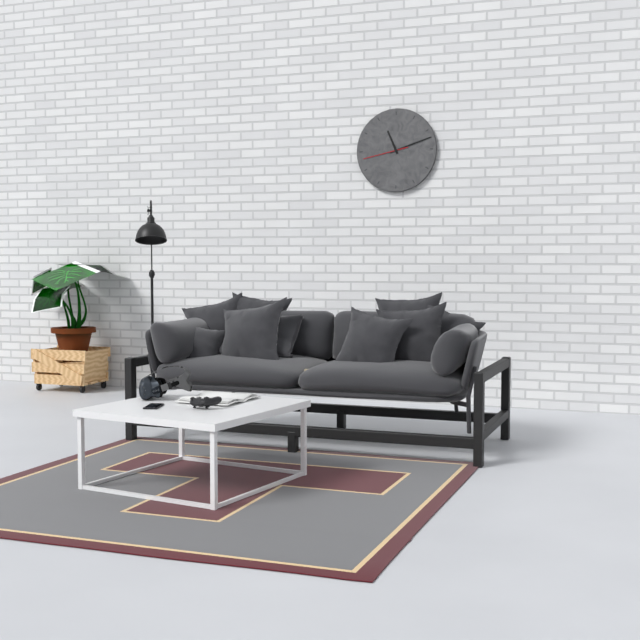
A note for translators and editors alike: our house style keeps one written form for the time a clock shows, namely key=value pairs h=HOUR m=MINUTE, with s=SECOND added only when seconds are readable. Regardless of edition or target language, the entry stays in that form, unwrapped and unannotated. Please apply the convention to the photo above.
h=11 m=12
